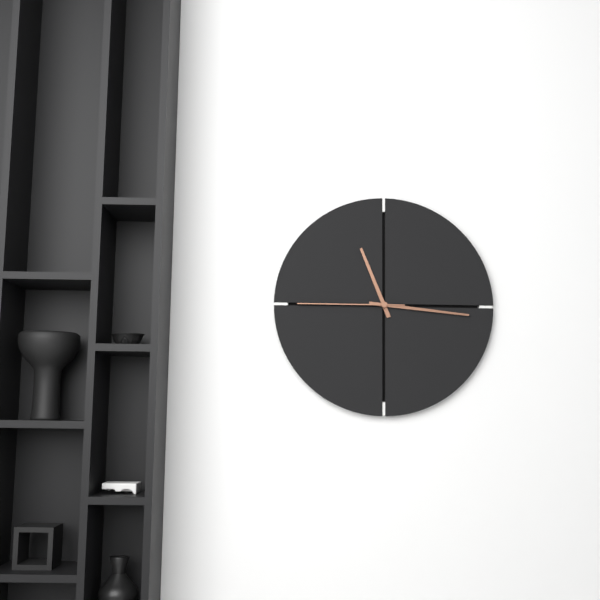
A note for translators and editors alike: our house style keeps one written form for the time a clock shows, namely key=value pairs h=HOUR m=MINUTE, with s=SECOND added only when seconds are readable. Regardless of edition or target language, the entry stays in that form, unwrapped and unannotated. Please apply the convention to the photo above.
h=11 m=16 s=45
